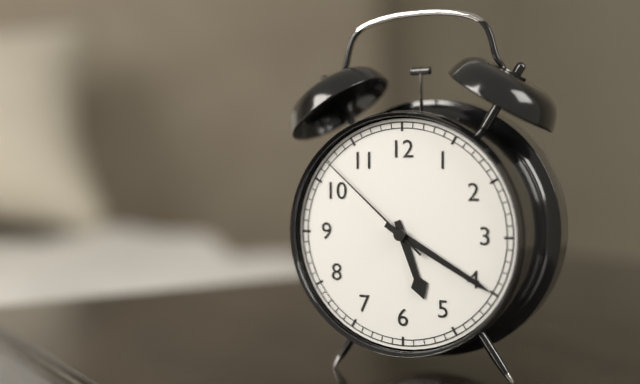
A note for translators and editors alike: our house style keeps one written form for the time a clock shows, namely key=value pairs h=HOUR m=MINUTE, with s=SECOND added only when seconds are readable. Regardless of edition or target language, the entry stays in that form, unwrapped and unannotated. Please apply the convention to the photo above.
h=5 m=20 s=52
